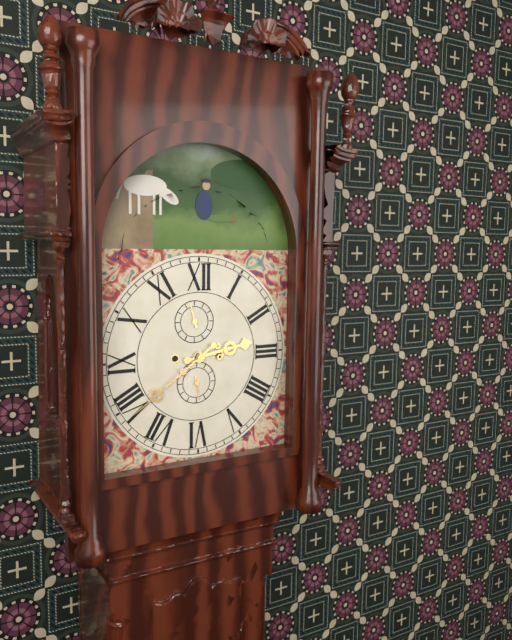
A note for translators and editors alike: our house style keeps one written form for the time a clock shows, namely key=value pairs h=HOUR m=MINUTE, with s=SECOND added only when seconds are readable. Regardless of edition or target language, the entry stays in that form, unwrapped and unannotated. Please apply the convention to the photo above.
h=2 m=39
